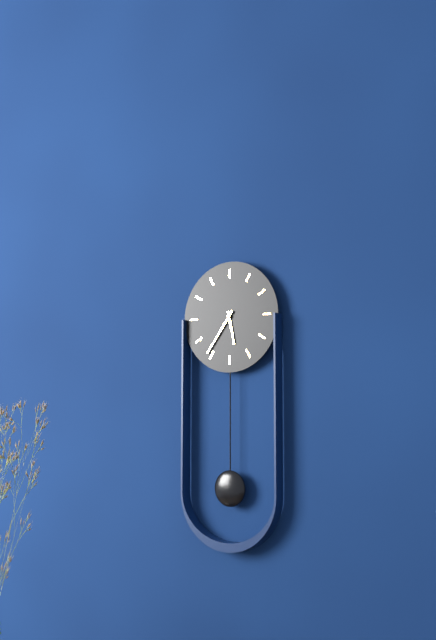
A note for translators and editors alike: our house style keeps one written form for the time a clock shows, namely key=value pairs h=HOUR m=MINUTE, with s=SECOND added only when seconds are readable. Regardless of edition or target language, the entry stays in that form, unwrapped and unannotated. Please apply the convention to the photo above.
h=5 m=36
